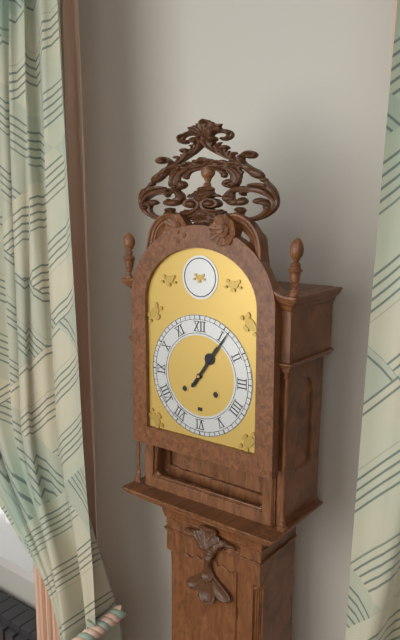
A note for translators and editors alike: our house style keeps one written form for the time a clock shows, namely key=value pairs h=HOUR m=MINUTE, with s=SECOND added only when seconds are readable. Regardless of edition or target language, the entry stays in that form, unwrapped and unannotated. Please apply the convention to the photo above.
h=1 m=6
